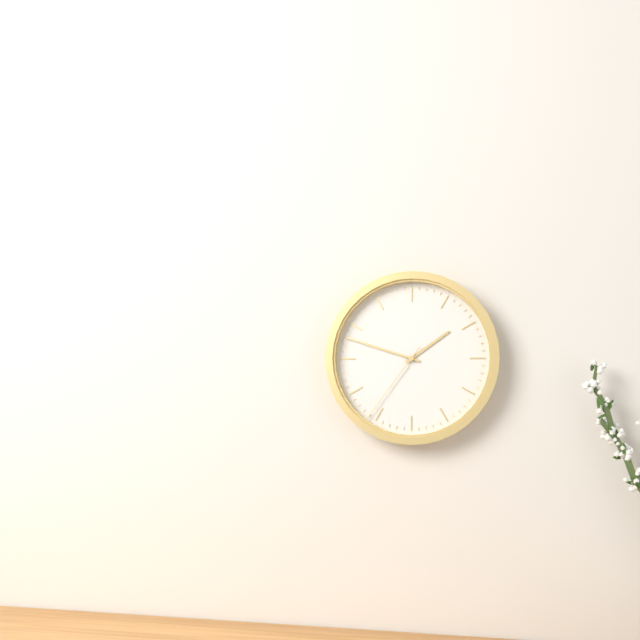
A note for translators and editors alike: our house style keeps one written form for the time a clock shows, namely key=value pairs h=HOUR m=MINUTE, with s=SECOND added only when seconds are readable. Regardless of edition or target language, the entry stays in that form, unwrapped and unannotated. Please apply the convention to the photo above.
h=1 m=48 s=36
